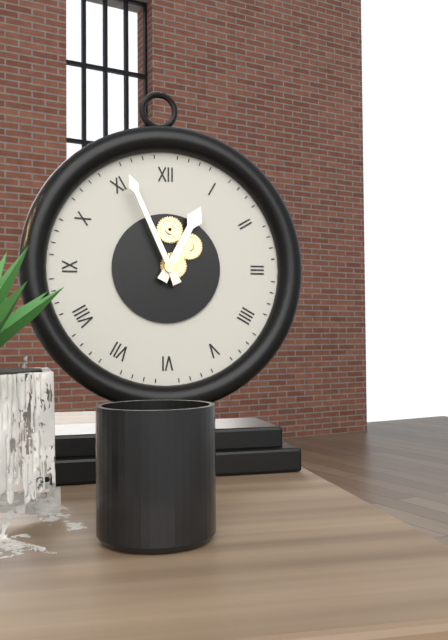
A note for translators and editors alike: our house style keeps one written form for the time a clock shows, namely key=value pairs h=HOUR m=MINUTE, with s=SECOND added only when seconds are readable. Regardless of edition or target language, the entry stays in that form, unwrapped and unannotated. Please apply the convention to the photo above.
h=12 m=56
